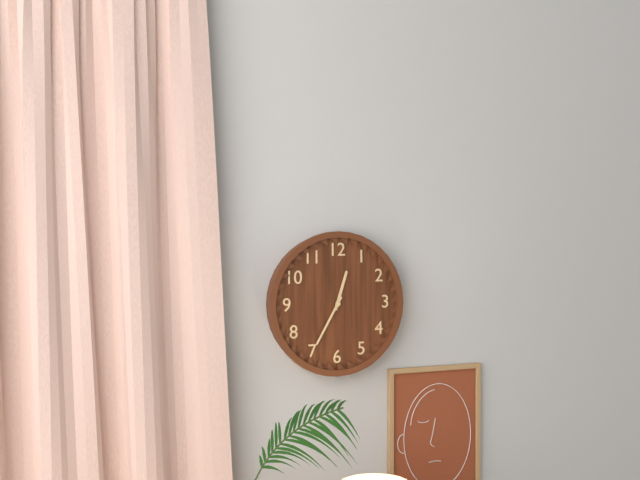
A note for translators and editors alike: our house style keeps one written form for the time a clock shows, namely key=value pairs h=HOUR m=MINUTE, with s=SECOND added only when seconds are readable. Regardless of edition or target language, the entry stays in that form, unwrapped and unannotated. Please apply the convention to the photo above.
h=12 m=35
